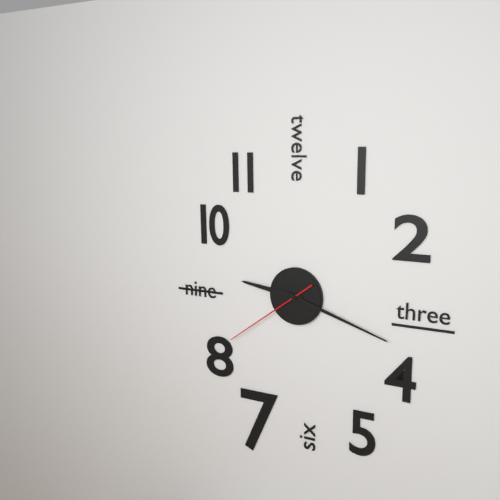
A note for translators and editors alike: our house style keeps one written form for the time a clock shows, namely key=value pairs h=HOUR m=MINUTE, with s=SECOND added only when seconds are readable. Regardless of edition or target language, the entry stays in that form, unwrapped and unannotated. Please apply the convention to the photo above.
h=9 m=18 s=39
